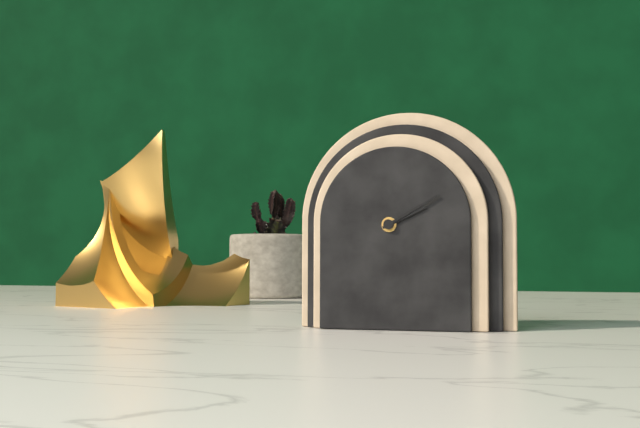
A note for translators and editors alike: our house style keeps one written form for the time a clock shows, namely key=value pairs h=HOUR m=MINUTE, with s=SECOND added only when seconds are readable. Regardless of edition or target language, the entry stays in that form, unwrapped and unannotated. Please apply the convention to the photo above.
h=2 m=10
